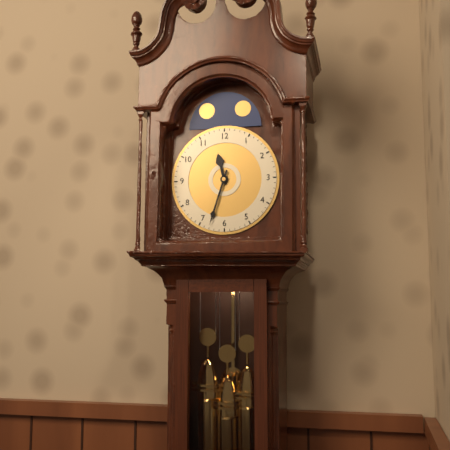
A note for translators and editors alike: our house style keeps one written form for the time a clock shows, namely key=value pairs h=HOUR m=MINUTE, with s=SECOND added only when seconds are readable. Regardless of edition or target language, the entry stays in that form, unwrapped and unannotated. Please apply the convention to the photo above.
h=11 m=33
